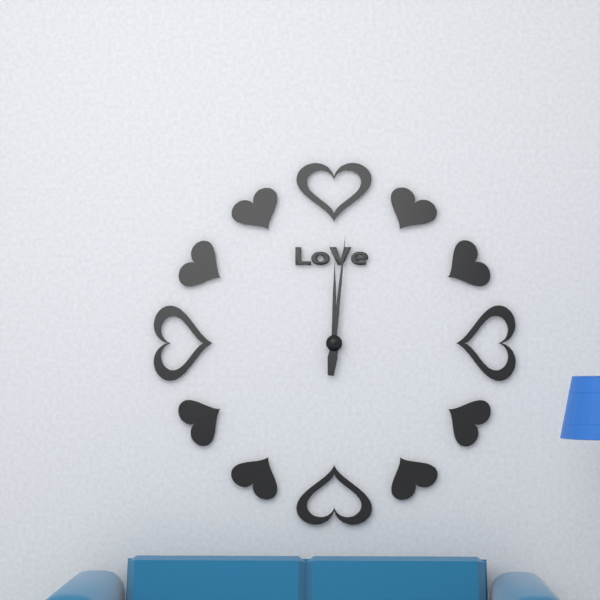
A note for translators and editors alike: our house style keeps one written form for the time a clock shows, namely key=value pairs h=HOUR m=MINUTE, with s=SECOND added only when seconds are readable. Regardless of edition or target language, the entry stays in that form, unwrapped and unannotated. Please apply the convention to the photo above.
h=12 m=1
